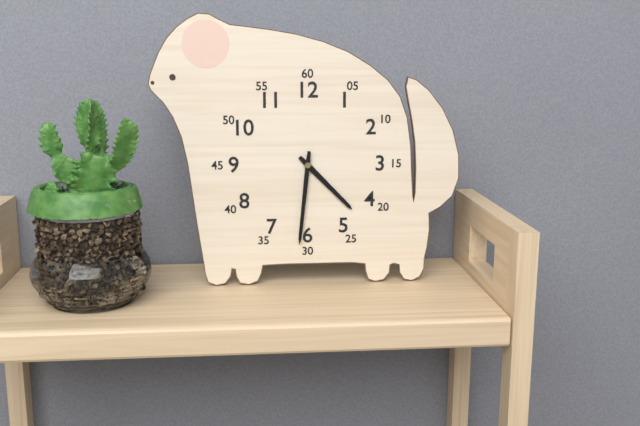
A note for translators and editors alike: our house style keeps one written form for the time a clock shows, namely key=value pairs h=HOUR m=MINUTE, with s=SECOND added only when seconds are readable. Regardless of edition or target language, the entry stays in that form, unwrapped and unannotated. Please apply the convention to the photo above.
h=4 m=31
